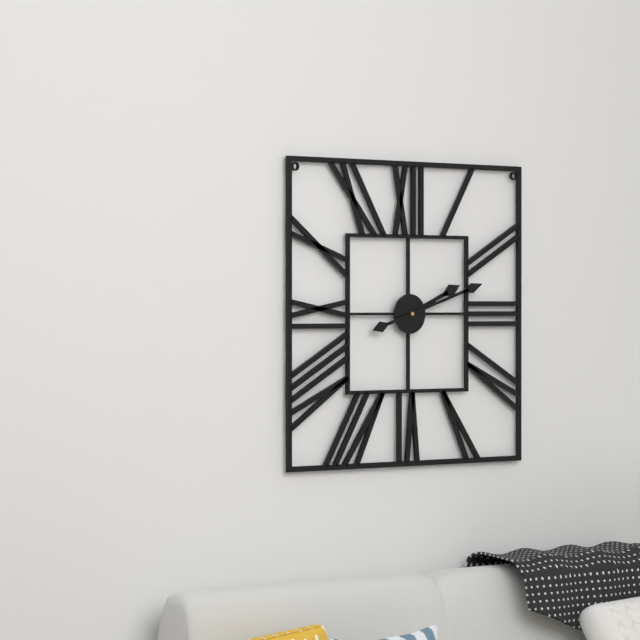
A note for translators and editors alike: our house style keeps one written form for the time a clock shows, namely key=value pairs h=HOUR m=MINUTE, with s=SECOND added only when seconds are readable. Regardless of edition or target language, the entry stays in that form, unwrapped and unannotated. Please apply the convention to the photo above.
h=2 m=12
